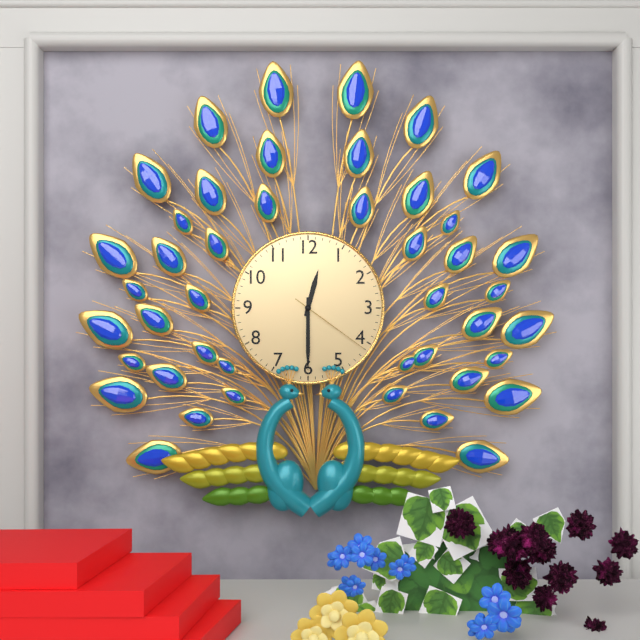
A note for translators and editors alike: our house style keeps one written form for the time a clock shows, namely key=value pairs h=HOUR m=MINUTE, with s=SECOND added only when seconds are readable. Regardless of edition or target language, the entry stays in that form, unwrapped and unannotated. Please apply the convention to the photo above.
h=12 m=30 s=21
